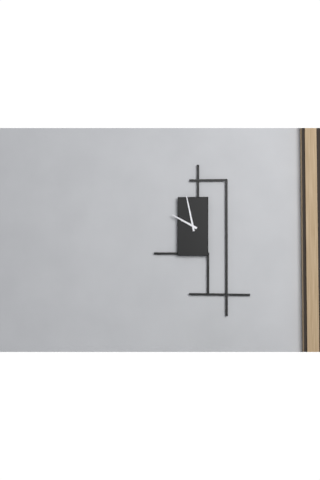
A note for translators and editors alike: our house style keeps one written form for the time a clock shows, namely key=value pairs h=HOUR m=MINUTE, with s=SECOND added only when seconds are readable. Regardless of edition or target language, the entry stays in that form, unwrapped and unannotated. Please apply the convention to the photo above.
h=9 m=58
